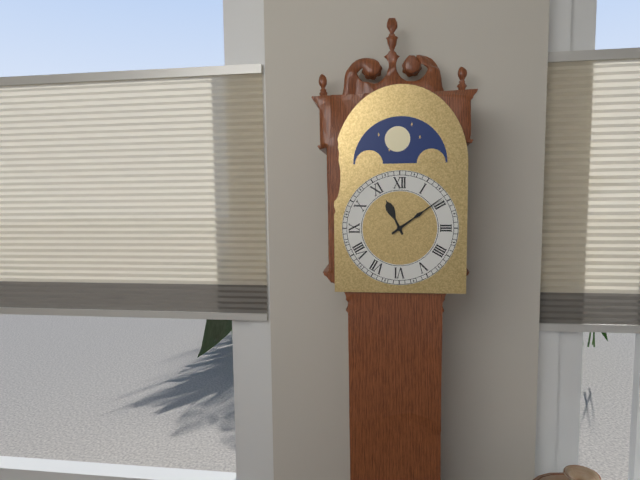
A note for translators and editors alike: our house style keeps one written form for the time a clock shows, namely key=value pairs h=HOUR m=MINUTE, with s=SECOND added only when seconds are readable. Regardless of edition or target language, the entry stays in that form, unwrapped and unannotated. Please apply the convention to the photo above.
h=11 m=9
